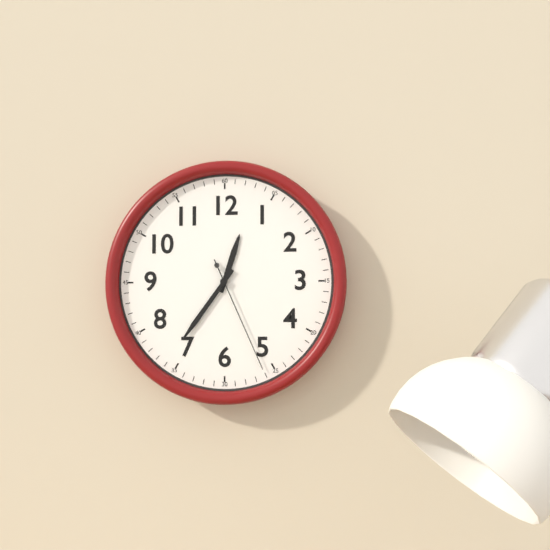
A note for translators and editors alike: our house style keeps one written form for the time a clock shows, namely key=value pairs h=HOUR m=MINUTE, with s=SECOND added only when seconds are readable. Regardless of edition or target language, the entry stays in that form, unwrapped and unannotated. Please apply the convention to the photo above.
h=12 m=36 s=26
